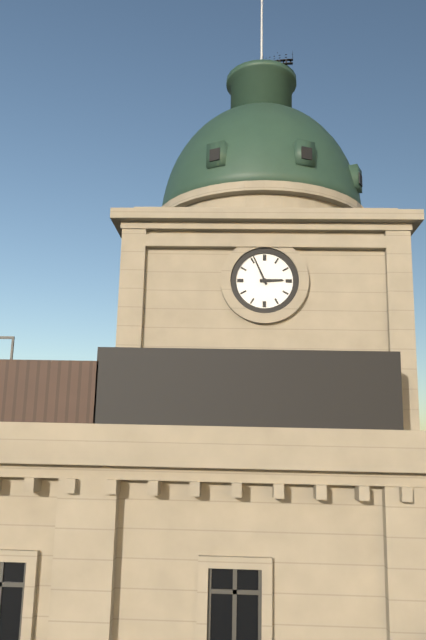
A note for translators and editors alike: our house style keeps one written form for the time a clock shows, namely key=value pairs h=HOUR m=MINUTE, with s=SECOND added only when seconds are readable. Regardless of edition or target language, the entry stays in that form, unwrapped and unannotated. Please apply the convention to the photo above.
h=2 m=56
